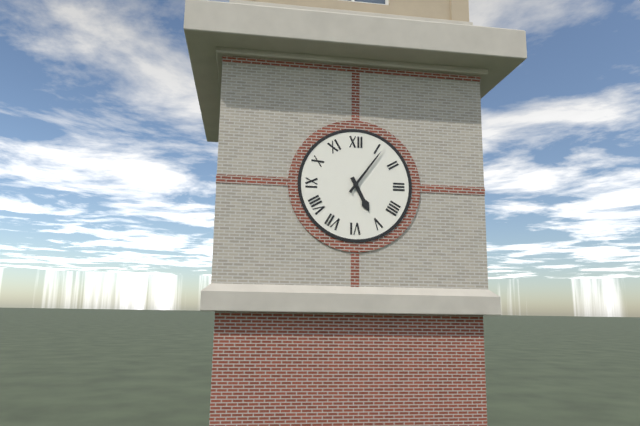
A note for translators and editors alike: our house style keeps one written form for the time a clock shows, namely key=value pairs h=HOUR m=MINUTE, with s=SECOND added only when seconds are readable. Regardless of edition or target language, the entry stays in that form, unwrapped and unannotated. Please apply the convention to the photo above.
h=5 m=6
